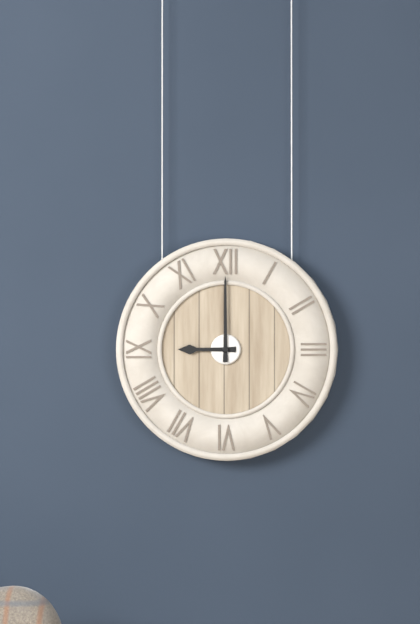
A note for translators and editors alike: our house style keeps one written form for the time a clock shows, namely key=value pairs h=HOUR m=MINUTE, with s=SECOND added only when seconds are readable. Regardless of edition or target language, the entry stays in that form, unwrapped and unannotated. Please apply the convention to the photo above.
h=9 m=0
